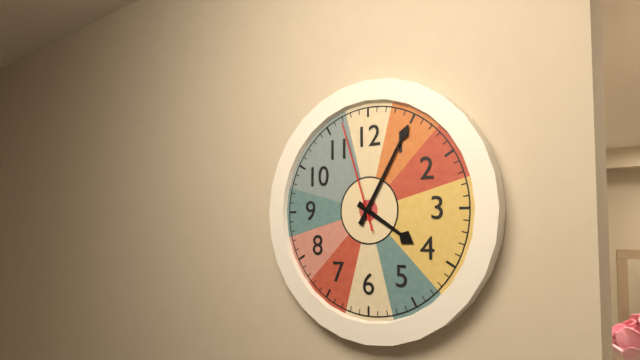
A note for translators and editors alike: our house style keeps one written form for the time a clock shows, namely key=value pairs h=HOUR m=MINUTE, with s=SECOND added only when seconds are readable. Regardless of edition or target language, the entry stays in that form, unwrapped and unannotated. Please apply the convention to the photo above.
h=4 m=5 s=57
